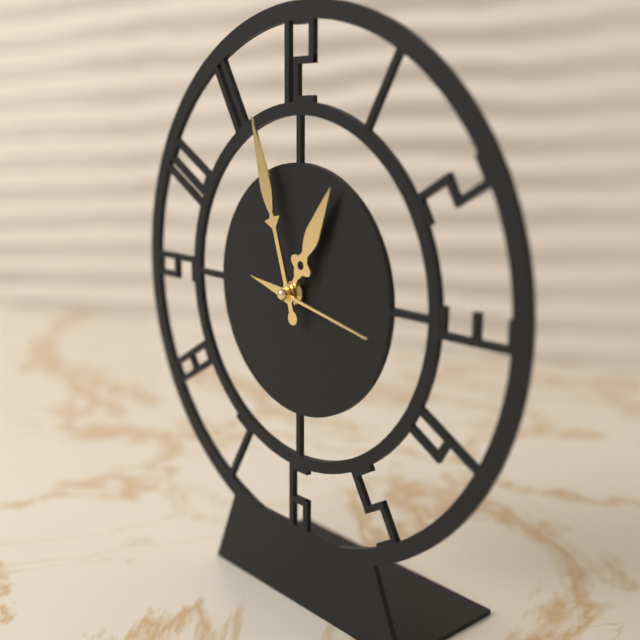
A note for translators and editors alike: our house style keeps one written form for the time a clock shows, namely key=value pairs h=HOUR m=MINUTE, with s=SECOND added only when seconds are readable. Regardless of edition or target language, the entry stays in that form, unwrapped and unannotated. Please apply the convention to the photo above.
h=12 m=57 s=17
